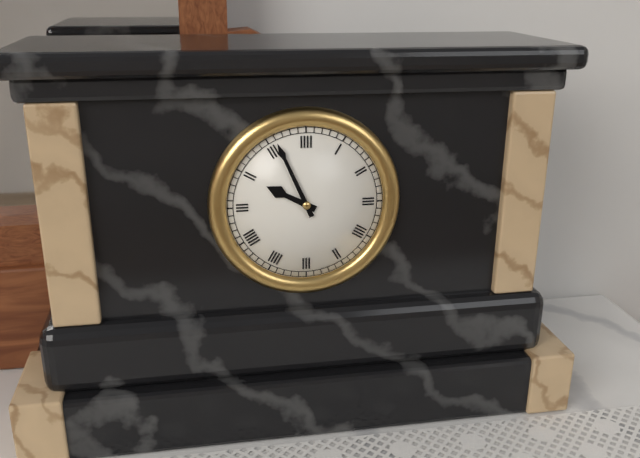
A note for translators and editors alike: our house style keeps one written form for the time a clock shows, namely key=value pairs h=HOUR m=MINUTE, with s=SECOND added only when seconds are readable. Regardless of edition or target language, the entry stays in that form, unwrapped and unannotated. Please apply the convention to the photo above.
h=9 m=56
